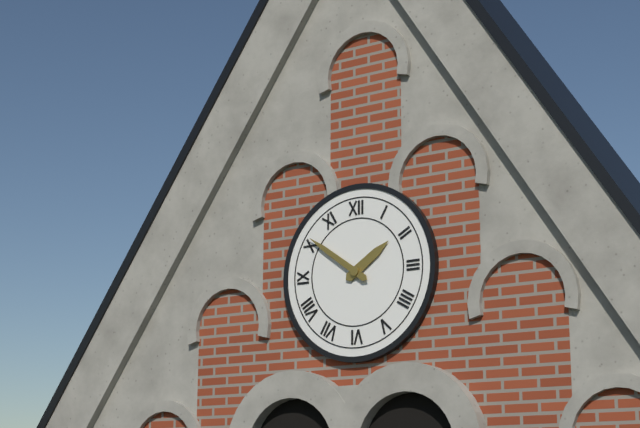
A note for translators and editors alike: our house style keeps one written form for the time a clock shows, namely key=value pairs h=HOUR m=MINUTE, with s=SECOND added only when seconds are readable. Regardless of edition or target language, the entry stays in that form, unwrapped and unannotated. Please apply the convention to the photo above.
h=1 m=51
